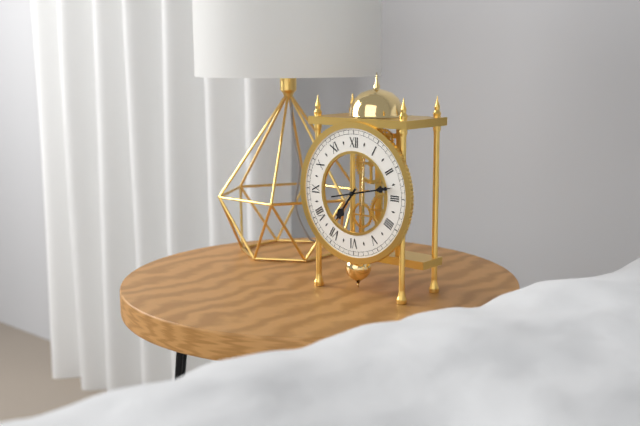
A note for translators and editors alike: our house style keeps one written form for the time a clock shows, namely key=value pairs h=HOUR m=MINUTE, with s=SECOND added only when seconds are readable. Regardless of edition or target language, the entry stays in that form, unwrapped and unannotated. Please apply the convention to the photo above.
h=7 m=13
